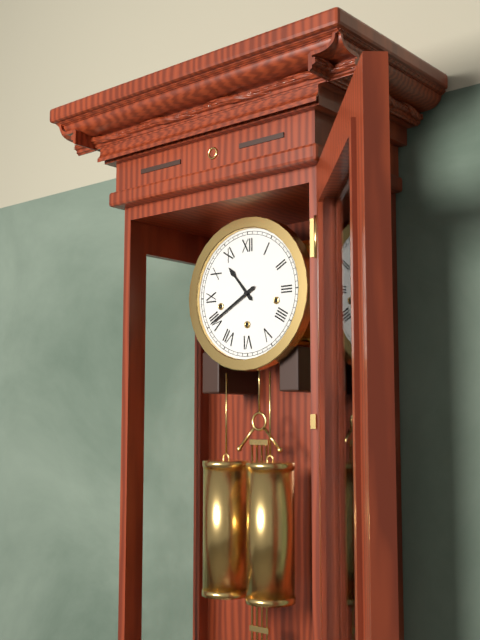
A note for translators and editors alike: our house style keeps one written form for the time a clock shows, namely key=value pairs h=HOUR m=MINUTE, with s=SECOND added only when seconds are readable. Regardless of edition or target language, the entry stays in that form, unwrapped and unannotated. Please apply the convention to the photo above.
h=10 m=40
